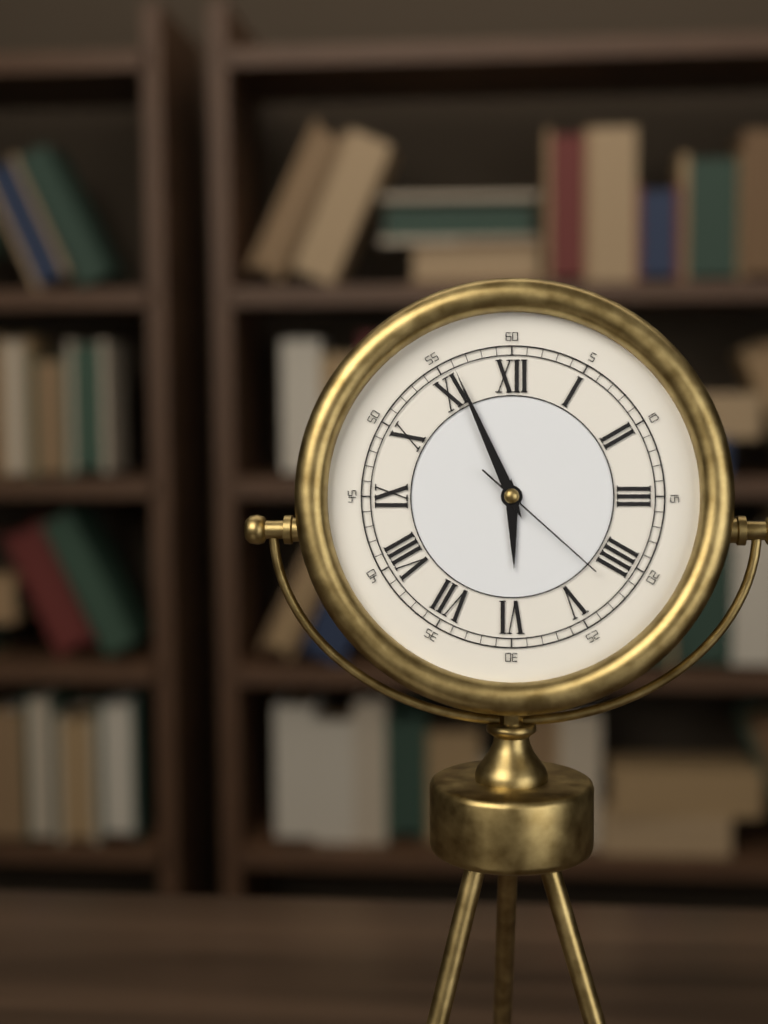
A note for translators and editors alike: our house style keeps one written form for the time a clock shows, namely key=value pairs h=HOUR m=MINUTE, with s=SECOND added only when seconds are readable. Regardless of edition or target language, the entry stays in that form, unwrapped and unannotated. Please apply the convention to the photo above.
h=5 m=56 s=22
